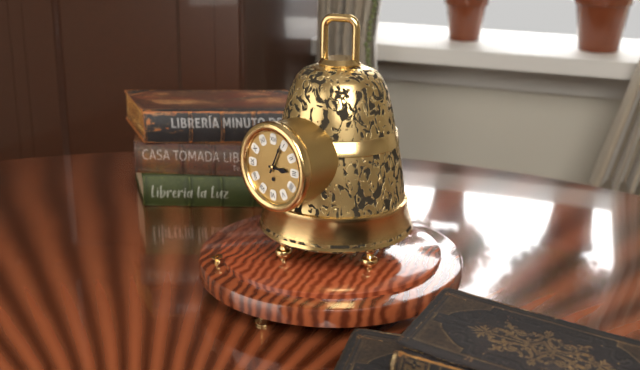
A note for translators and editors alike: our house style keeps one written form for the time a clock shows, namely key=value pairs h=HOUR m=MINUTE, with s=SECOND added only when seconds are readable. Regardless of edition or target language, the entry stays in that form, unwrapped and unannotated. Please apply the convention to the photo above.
h=3 m=4
